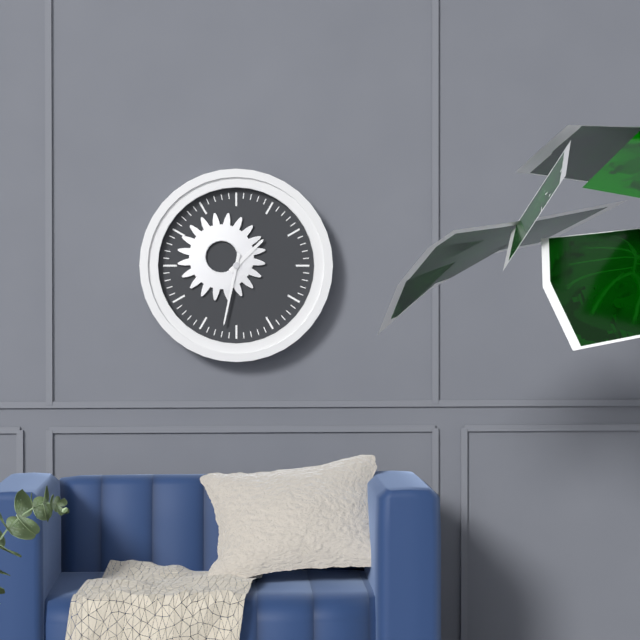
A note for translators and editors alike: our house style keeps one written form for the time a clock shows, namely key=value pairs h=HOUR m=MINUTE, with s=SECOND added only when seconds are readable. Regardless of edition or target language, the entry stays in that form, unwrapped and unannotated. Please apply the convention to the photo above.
h=1 m=32
